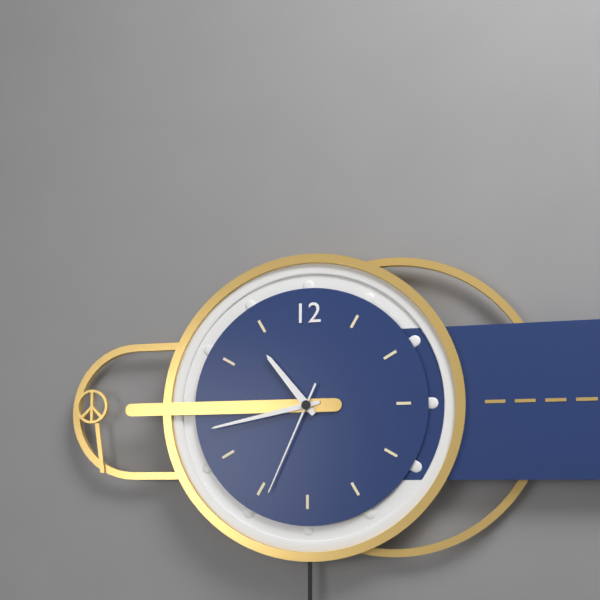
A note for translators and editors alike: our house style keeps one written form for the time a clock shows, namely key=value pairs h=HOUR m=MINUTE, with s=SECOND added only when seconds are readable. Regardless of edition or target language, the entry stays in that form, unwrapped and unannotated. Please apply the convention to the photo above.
h=10 m=43 s=34
